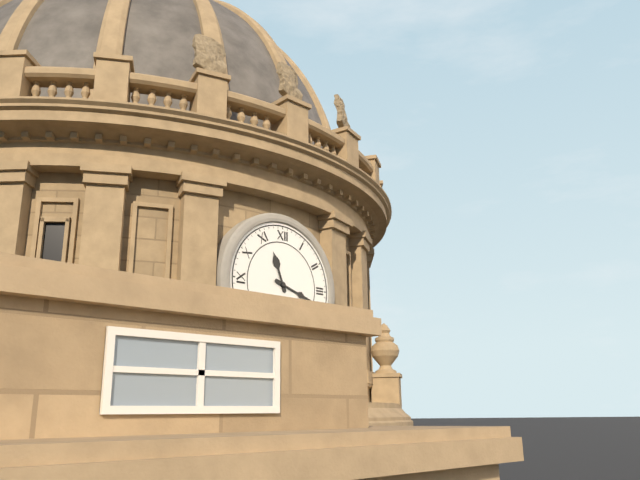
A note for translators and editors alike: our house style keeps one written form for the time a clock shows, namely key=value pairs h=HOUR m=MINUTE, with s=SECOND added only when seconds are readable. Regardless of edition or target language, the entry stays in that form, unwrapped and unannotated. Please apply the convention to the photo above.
h=11 m=18
